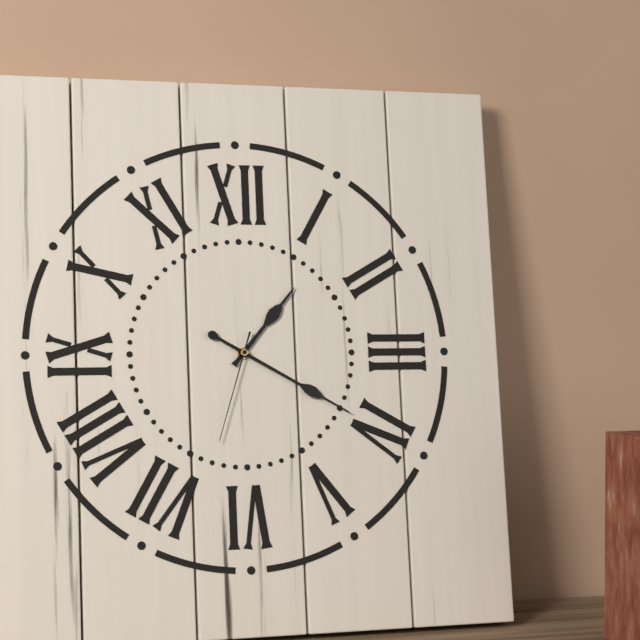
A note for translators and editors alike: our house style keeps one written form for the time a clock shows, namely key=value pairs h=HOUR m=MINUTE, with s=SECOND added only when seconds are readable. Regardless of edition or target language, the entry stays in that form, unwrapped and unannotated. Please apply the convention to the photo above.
h=1 m=20 s=33
